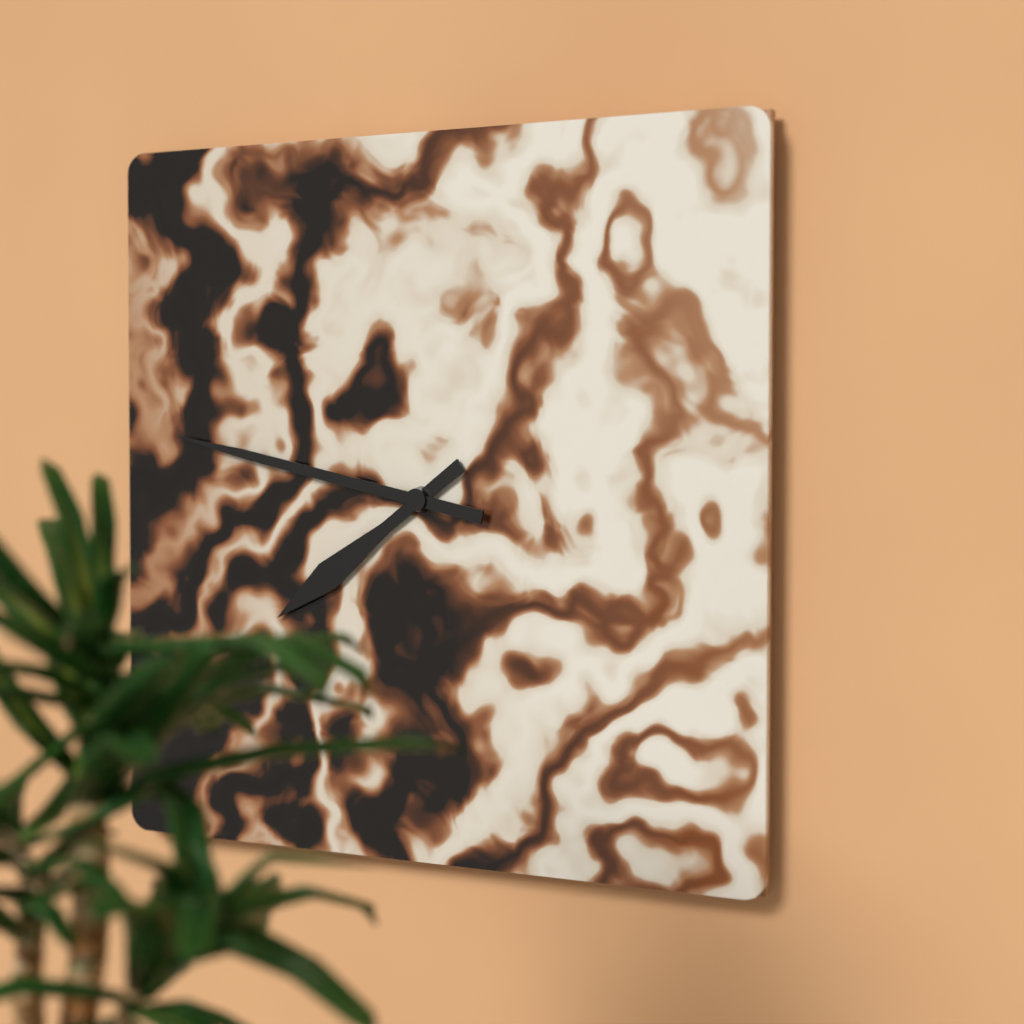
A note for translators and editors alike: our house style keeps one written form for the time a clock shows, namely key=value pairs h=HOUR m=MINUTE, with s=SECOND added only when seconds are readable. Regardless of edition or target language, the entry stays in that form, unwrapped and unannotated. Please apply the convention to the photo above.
h=7 m=47
